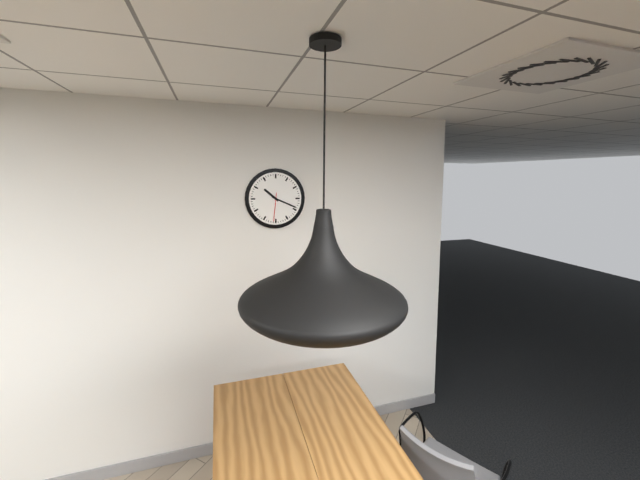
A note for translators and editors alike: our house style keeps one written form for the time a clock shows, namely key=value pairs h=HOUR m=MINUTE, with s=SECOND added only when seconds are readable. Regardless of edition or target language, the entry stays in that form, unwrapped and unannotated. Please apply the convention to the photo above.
h=10 m=19
